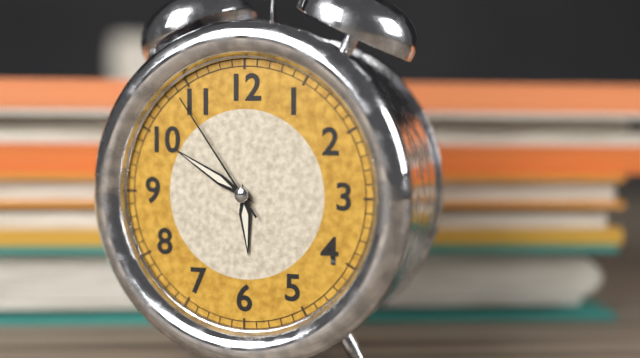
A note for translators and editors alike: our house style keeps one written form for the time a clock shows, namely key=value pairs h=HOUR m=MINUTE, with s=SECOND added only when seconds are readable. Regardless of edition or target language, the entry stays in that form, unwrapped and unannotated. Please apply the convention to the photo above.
h=5 m=50 s=54
